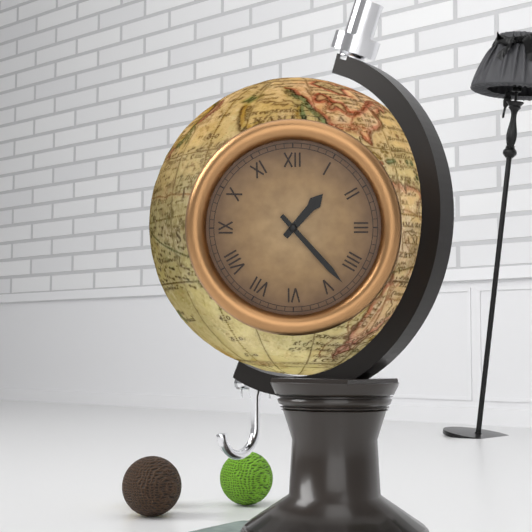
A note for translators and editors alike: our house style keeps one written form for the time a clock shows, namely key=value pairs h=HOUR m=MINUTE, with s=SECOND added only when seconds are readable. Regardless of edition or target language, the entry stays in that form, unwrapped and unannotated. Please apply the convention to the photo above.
h=1 m=23
